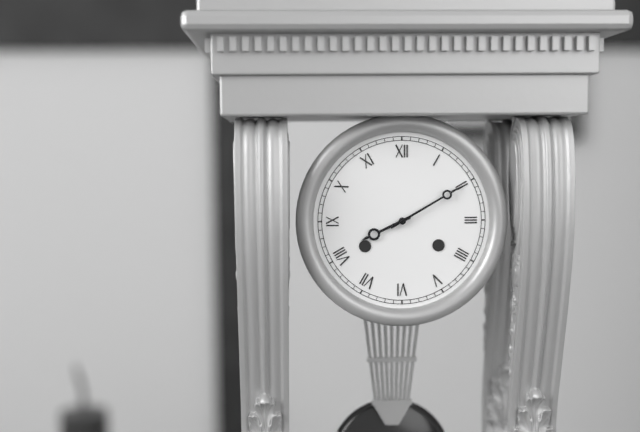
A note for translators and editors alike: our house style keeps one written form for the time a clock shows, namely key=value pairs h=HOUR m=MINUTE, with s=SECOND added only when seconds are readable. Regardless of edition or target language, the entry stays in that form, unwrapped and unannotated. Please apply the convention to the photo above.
h=8 m=10
